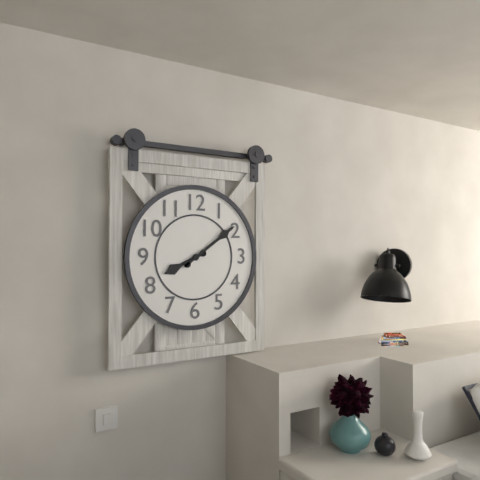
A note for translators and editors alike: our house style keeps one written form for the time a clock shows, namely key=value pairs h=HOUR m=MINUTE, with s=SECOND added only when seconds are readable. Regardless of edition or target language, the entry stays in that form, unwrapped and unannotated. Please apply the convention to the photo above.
h=8 m=9
